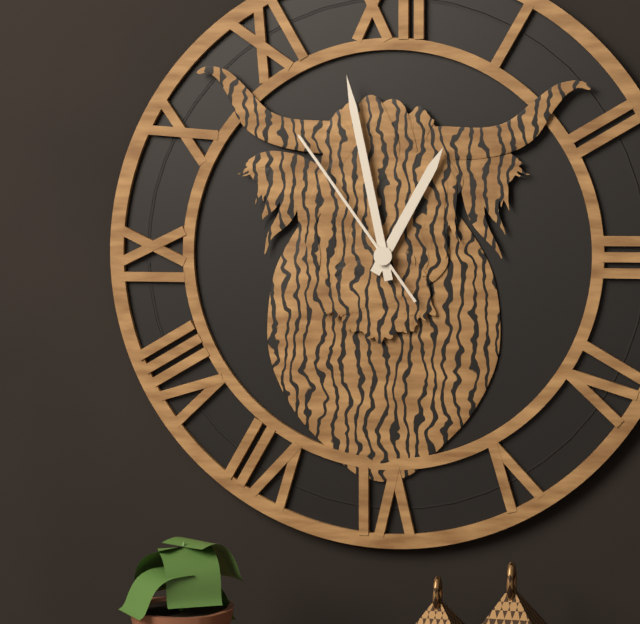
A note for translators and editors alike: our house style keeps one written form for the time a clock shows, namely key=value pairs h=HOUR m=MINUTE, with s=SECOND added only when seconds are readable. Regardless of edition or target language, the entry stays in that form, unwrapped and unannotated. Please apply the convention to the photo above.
h=12 m=58 s=54
